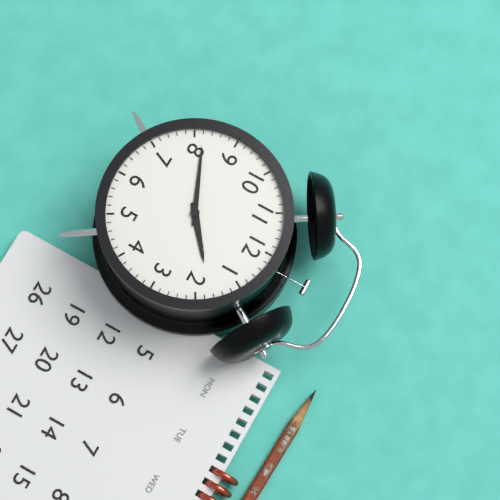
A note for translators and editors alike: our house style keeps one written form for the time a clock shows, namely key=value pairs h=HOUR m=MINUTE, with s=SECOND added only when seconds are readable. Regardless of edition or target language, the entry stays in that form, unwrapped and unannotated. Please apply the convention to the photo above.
h=1 m=41
